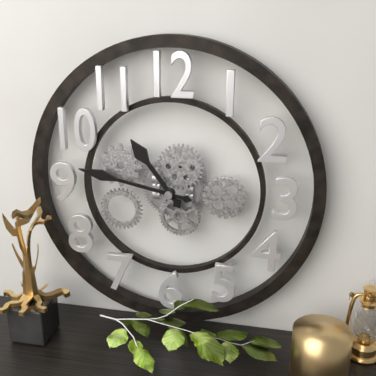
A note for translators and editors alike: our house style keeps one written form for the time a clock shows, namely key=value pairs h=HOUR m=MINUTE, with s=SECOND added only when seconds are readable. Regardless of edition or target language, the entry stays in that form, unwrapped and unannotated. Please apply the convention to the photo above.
h=10 m=47
